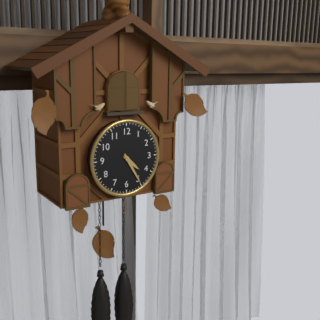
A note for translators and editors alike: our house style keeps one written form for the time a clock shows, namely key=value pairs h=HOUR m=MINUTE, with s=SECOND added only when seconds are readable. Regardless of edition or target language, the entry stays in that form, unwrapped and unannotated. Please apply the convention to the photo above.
h=4 m=25
